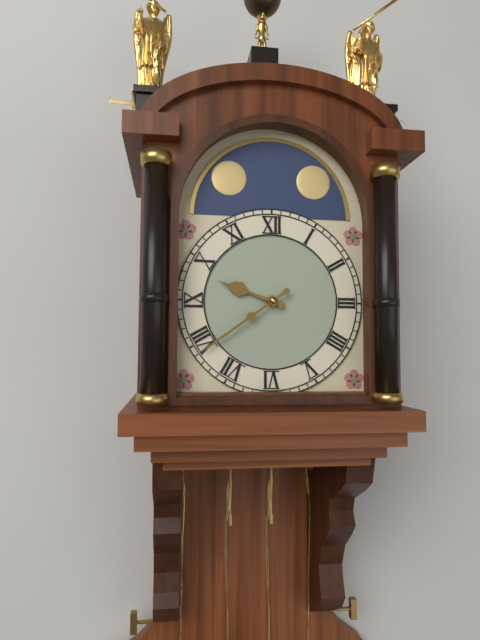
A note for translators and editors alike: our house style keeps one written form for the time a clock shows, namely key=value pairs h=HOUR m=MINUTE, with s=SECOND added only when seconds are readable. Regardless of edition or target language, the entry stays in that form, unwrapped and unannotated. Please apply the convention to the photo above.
h=9 m=39
